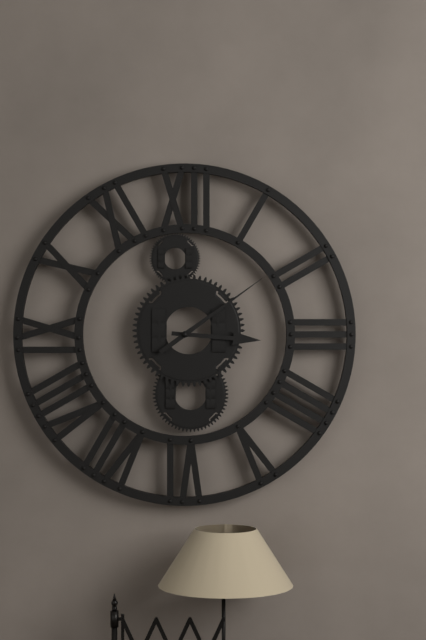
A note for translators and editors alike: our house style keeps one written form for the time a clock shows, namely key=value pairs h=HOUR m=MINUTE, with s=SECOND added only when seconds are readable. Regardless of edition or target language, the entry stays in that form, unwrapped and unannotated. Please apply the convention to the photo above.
h=3 m=9
